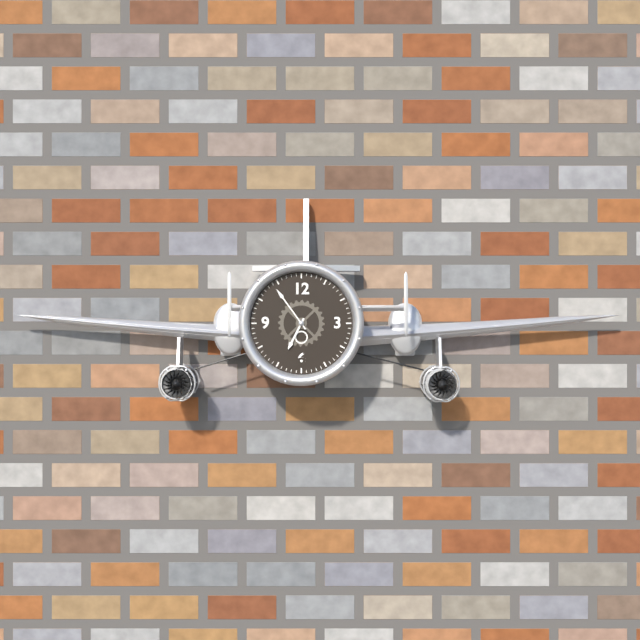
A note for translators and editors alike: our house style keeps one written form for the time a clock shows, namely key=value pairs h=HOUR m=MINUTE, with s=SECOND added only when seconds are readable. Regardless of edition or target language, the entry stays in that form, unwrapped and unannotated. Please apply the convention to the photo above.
h=6 m=54
